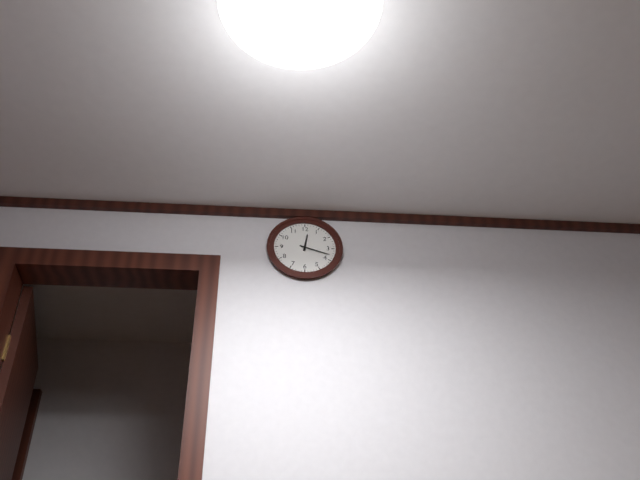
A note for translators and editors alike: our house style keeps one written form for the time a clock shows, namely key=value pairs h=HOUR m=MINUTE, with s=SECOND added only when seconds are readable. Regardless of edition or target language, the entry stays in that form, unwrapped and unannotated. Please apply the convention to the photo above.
h=12 m=18
